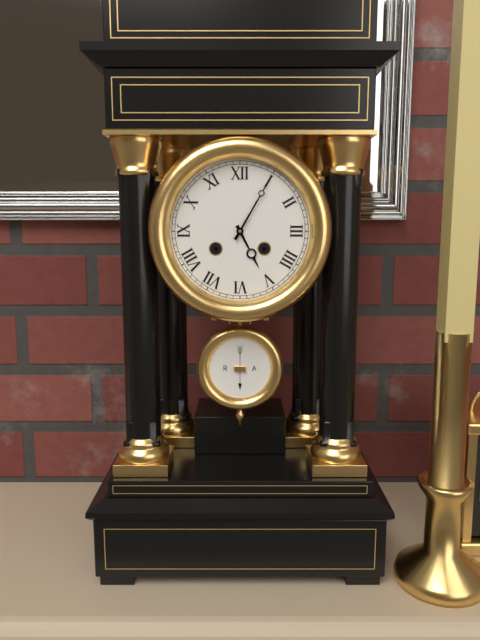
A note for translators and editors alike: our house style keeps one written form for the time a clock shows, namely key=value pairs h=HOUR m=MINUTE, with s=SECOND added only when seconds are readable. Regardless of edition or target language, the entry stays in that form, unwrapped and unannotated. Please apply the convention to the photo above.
h=5 m=5
